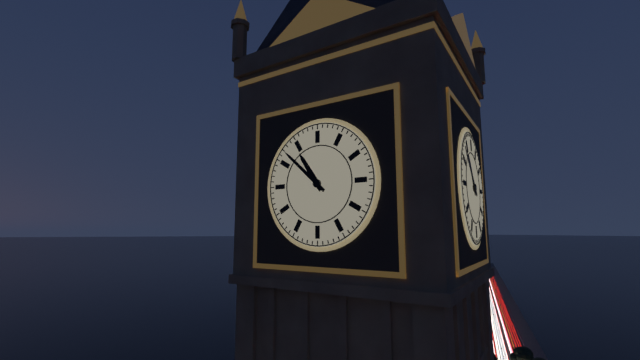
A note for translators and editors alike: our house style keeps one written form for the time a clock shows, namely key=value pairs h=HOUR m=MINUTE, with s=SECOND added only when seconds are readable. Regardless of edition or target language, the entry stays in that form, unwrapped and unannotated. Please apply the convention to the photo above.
h=10 m=52
